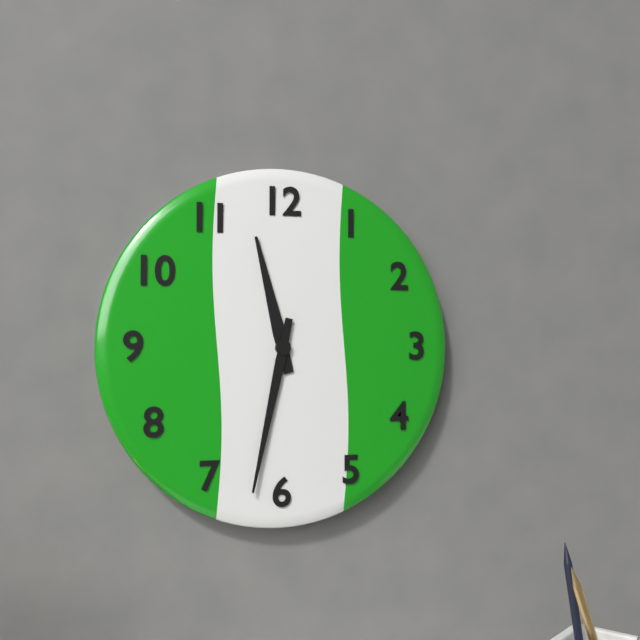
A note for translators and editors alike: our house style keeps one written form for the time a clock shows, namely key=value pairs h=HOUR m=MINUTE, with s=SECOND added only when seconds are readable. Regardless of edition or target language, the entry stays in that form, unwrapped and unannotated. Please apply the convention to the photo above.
h=11 m=32
